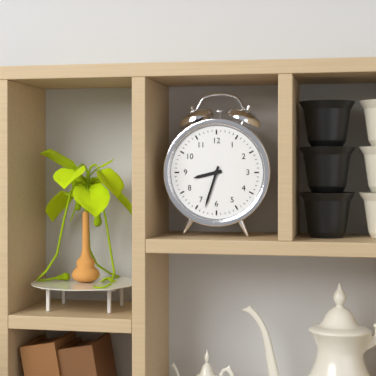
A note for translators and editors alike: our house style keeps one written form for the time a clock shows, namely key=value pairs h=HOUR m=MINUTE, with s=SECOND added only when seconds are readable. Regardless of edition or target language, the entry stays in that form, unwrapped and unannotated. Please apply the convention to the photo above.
h=8 m=33
